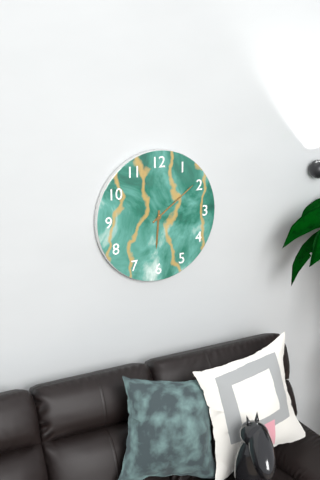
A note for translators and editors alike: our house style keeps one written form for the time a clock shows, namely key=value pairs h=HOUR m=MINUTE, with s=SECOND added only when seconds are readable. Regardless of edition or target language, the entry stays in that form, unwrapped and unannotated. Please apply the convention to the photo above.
h=6 m=9
